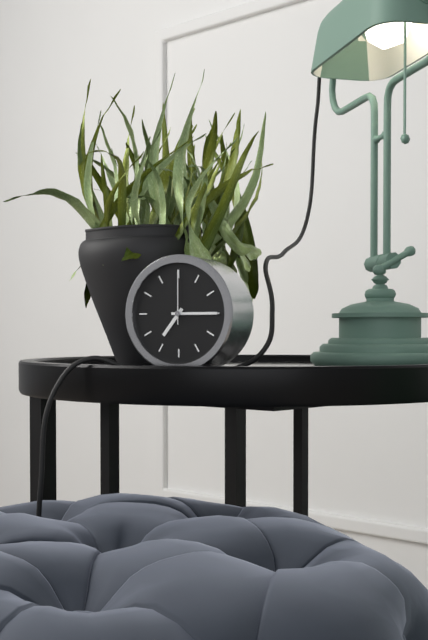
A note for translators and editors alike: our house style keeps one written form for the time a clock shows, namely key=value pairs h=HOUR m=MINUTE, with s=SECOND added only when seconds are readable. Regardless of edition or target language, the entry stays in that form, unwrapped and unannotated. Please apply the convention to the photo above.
h=7 m=15 s=0
